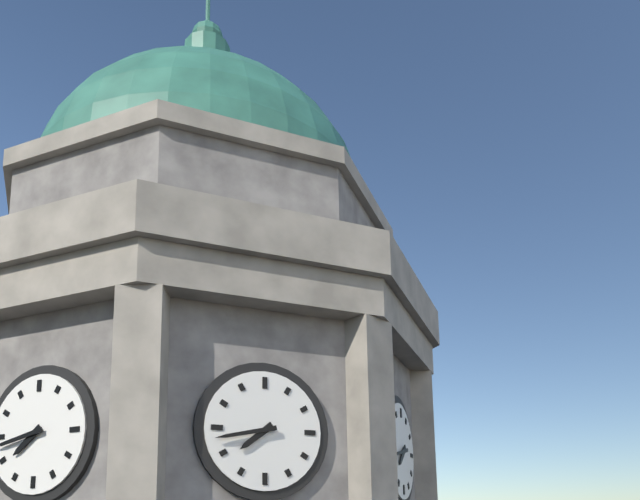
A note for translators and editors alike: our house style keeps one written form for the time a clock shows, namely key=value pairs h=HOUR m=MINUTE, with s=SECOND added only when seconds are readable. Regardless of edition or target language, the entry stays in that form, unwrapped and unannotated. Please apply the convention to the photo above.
h=7 m=43
